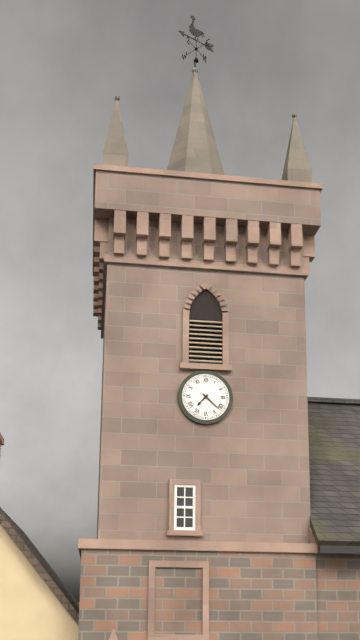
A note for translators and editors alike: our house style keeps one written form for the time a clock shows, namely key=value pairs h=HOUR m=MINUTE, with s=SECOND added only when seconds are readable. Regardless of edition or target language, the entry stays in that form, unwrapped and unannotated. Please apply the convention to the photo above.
h=7 m=22
